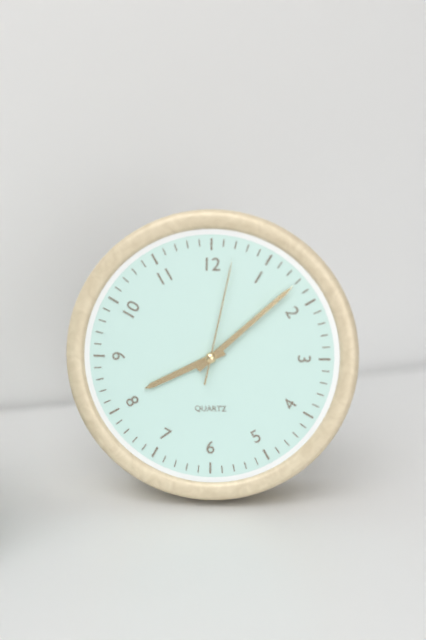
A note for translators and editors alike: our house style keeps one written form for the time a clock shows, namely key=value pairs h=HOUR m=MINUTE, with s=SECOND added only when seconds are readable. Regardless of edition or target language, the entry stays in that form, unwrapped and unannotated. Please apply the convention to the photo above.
h=8 m=8 s=2
